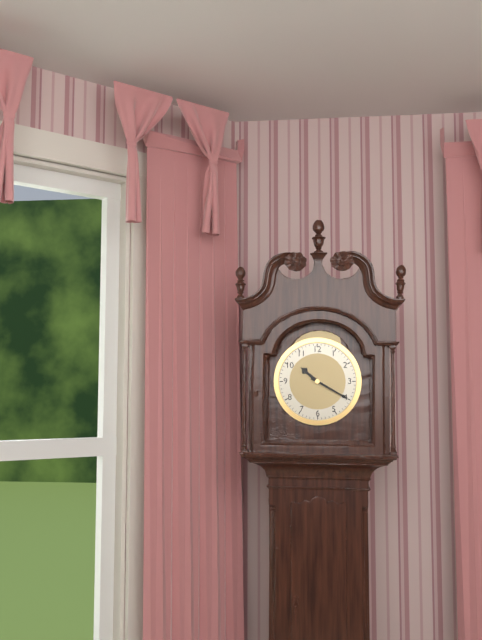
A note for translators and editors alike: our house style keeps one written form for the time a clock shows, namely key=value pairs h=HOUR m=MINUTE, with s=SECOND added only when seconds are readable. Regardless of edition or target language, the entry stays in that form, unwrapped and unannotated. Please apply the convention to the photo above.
h=10 m=20
